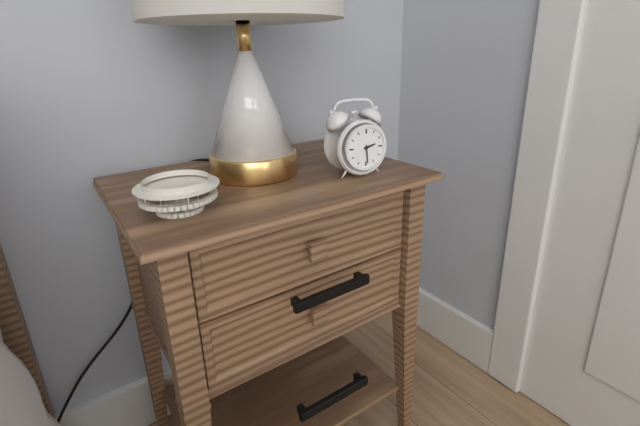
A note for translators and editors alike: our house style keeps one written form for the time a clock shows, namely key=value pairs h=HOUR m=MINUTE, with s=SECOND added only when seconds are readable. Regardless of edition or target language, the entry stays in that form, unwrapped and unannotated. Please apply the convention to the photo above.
h=2 m=29
